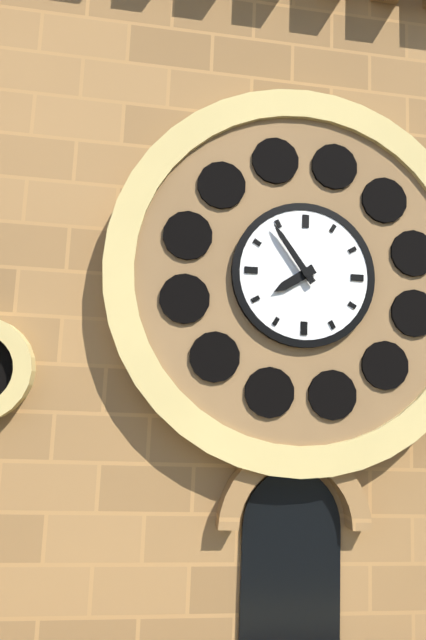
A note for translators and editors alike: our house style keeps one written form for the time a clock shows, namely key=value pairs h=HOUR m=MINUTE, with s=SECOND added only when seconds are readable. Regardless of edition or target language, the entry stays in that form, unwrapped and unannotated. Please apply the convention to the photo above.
h=7 m=54
